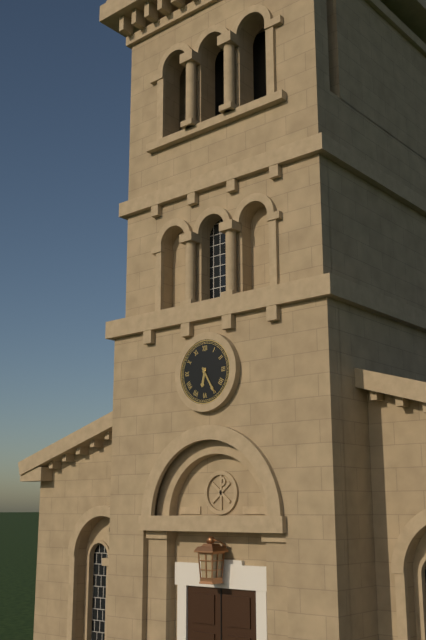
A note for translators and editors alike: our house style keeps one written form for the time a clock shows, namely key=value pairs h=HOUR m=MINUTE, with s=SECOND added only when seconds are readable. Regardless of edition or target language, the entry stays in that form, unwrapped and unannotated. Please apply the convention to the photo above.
h=6 m=25
